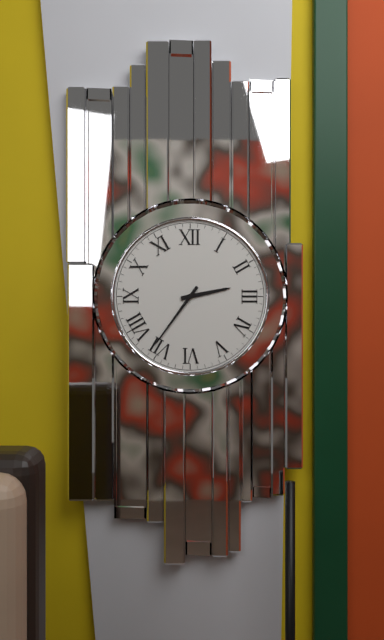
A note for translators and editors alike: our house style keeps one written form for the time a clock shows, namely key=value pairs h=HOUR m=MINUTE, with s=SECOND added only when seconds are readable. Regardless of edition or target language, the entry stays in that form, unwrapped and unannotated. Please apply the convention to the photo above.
h=2 m=36
